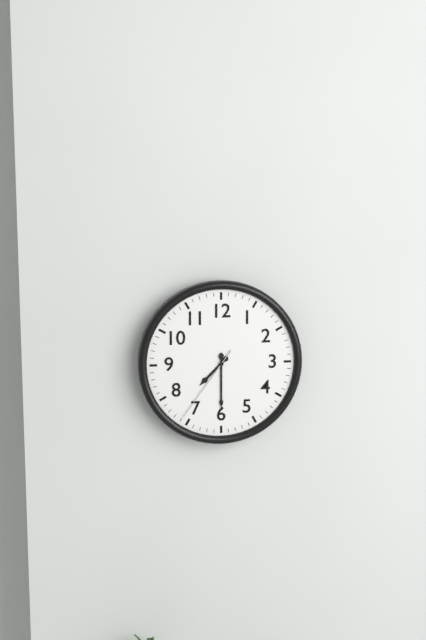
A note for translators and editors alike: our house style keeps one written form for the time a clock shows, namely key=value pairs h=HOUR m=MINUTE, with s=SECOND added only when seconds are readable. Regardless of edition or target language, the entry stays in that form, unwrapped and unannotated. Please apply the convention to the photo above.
h=7 m=30 s=36
